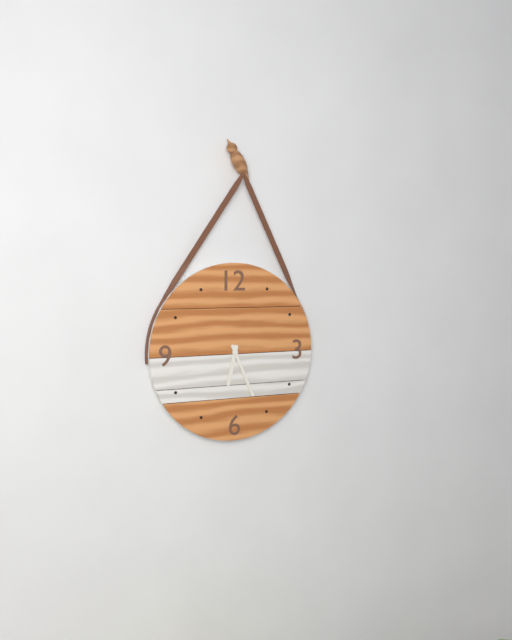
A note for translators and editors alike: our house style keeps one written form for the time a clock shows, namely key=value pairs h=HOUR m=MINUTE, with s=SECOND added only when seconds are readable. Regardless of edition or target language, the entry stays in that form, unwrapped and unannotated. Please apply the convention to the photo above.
h=6 m=26
